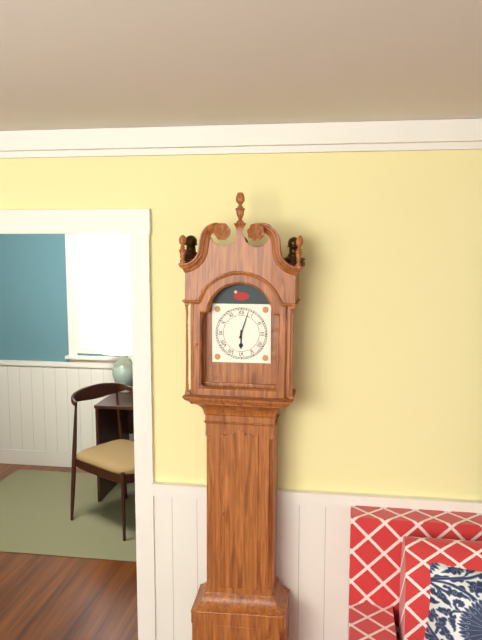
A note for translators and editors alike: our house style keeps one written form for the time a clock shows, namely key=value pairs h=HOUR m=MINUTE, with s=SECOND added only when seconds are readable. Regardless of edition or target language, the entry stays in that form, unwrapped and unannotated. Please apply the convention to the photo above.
h=6 m=3
